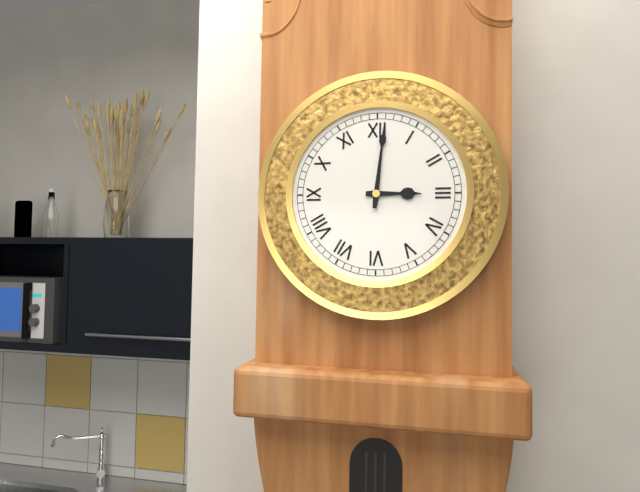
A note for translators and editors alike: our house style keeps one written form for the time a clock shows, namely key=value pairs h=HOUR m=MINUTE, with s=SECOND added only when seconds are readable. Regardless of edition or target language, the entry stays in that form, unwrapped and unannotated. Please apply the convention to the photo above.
h=3 m=1
